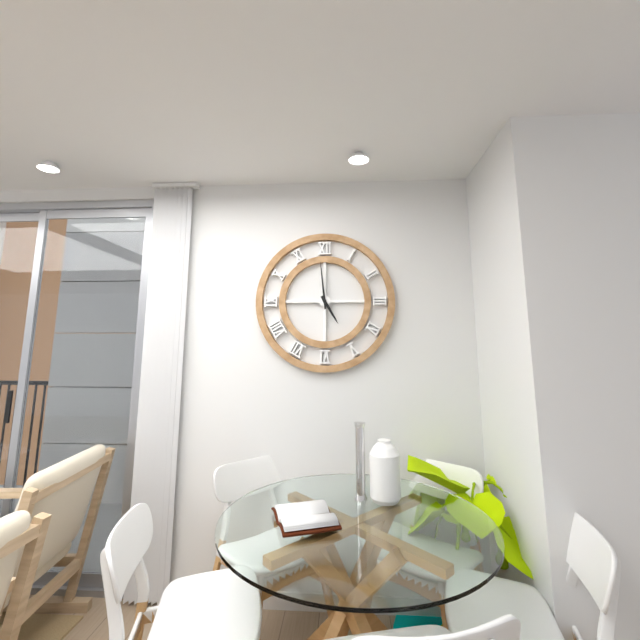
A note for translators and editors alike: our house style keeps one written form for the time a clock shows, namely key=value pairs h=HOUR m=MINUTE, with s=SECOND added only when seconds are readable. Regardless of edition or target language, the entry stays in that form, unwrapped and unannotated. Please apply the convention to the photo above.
h=4 m=59
